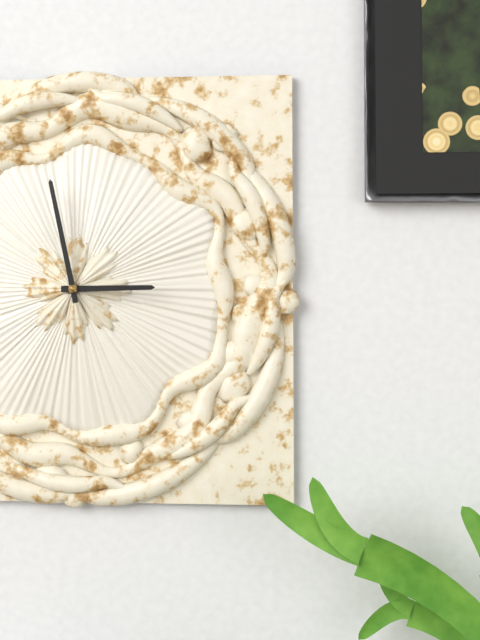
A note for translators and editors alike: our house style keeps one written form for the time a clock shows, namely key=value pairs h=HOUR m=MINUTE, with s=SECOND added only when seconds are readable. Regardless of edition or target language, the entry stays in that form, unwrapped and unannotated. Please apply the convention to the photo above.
h=2 m=58
